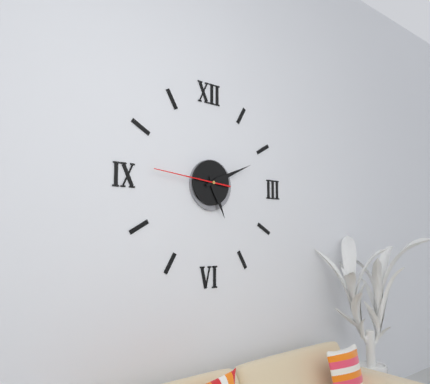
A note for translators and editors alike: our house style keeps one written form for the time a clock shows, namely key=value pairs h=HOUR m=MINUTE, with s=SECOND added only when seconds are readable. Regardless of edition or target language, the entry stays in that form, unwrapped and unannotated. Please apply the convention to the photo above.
h=5 m=11 s=46
